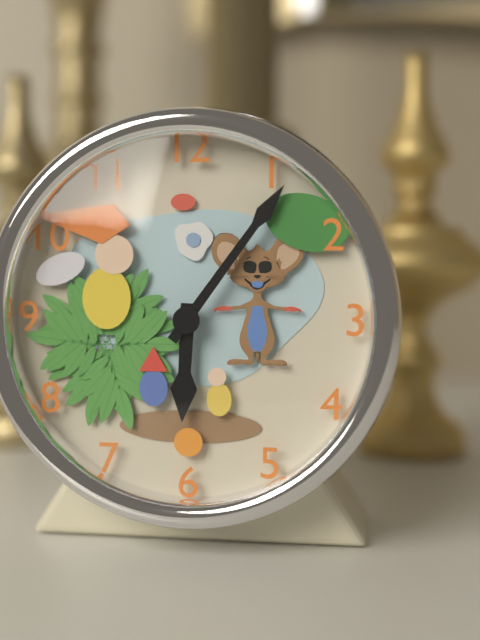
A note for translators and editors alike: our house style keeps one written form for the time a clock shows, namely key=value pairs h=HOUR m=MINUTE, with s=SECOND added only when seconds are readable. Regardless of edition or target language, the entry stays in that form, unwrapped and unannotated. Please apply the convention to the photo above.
h=6 m=6
